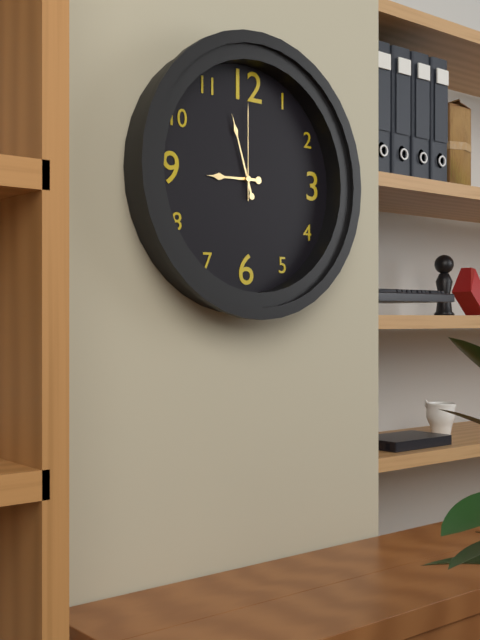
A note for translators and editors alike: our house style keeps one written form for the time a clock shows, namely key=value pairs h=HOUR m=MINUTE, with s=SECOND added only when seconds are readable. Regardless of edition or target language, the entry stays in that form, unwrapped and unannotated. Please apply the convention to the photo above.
h=8 m=57 s=0
